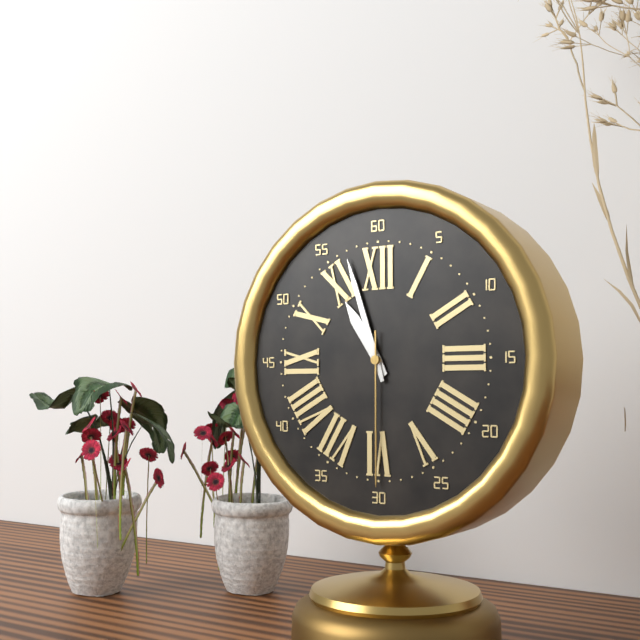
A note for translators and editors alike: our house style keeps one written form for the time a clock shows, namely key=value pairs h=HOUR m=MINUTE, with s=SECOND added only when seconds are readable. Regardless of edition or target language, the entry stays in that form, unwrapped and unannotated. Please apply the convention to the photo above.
h=10 m=57 s=30
